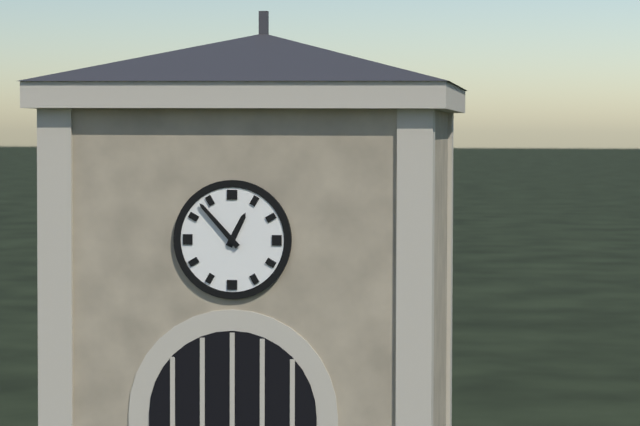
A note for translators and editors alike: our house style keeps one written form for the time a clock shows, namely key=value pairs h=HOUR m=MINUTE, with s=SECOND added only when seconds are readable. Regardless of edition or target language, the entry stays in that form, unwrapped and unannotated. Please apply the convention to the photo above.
h=12 m=53
